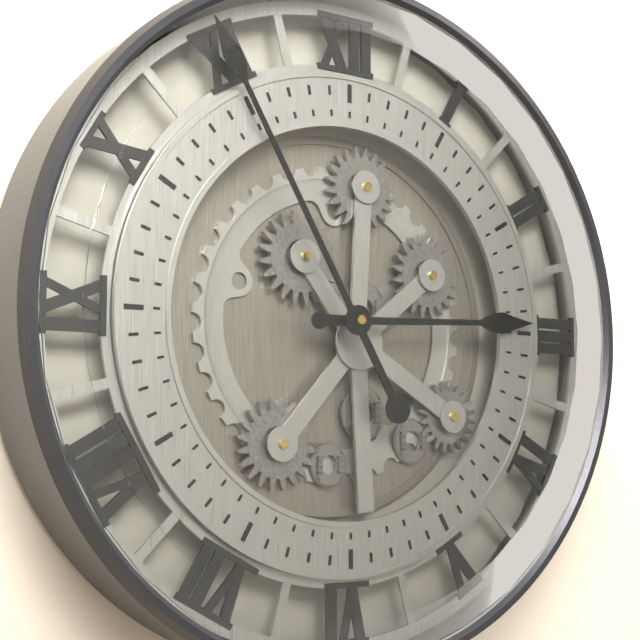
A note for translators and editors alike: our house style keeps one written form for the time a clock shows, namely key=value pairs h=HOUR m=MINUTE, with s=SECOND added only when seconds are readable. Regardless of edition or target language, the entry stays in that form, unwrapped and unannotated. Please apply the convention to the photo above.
h=2 m=55
